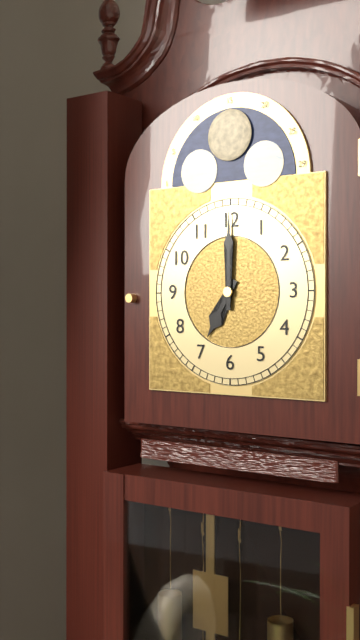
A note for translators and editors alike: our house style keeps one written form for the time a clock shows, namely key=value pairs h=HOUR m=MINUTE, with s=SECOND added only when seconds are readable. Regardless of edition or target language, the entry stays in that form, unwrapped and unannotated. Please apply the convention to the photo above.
h=7 m=0
